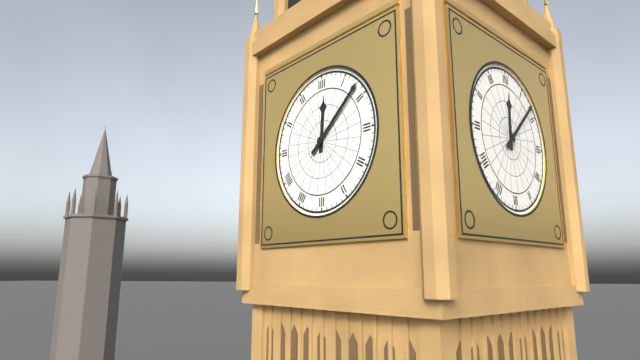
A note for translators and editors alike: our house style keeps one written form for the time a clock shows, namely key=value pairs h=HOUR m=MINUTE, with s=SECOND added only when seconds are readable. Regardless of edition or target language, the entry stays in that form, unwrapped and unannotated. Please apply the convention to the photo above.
h=12 m=8
